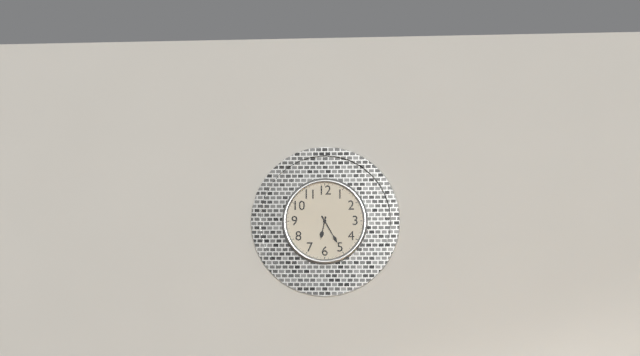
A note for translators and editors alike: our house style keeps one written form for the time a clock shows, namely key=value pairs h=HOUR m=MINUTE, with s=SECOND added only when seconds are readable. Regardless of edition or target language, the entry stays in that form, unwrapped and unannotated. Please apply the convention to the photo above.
h=6 m=25
